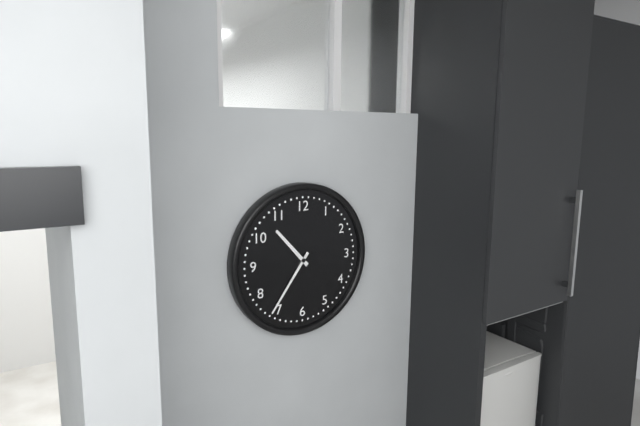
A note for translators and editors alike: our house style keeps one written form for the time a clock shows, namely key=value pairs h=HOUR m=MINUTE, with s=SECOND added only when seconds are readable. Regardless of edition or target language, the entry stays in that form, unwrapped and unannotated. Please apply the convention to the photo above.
h=10 m=36
